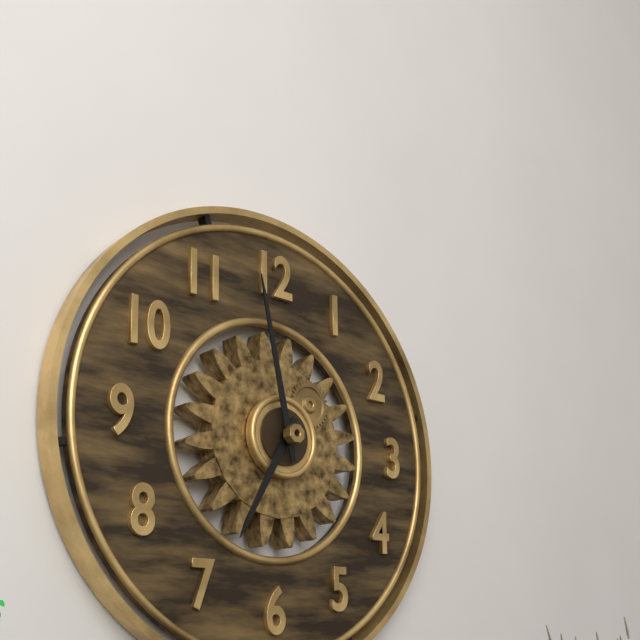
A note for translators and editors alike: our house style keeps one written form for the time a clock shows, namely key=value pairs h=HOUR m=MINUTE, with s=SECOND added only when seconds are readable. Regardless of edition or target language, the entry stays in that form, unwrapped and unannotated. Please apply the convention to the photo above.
h=6 m=58
